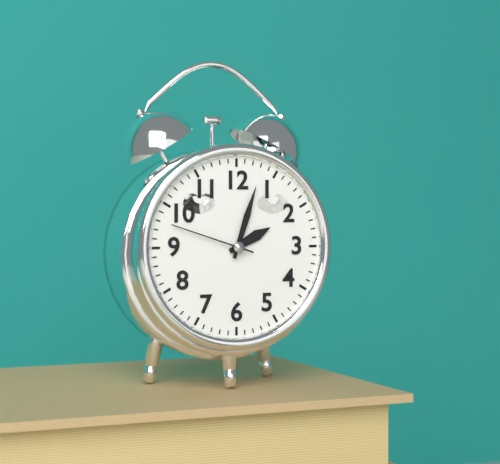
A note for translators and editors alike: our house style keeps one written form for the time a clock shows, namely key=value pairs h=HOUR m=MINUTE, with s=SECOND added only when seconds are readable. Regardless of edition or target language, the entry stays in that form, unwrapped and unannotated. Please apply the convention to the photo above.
h=2 m=3 s=48
